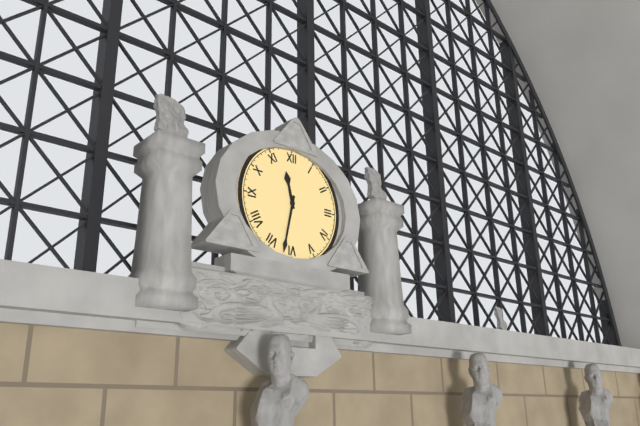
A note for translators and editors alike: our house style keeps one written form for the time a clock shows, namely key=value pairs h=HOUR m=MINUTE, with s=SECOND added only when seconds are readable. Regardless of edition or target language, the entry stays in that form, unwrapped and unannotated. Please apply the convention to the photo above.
h=11 m=32
